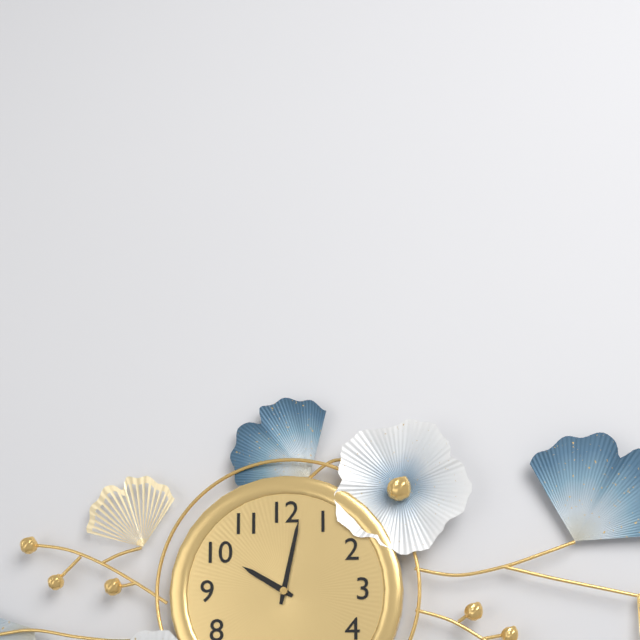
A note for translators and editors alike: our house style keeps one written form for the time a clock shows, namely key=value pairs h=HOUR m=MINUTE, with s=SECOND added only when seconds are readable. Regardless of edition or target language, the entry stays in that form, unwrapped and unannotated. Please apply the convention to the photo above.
h=10 m=2
